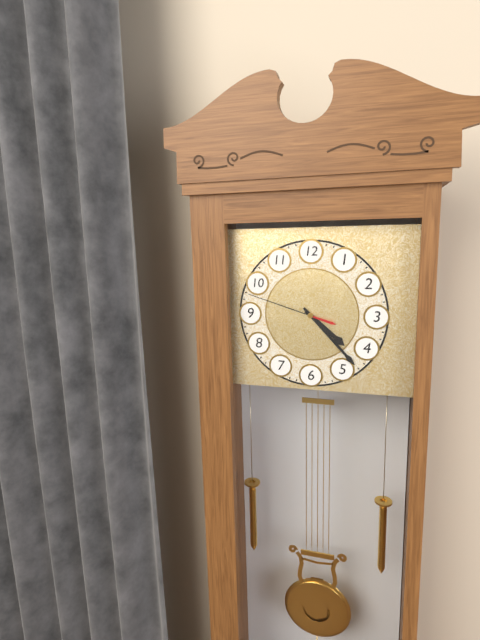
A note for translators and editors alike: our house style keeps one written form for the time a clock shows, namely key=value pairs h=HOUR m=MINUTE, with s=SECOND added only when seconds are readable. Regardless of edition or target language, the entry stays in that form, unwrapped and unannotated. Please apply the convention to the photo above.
h=4 m=23 s=48
